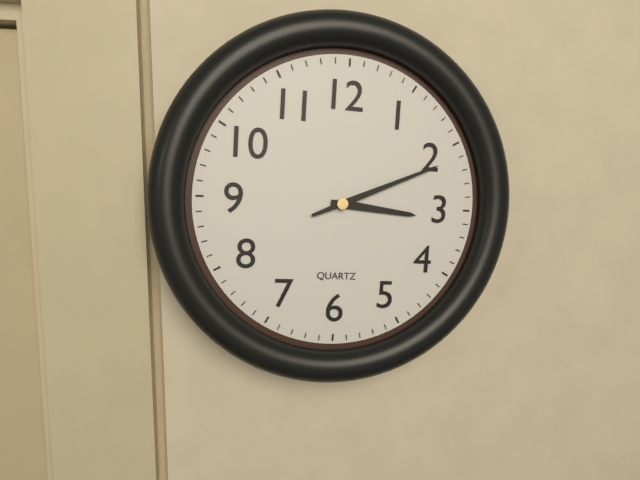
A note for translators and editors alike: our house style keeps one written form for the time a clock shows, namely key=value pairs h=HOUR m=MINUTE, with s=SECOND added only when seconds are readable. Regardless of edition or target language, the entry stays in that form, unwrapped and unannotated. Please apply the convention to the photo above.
h=3 m=11
